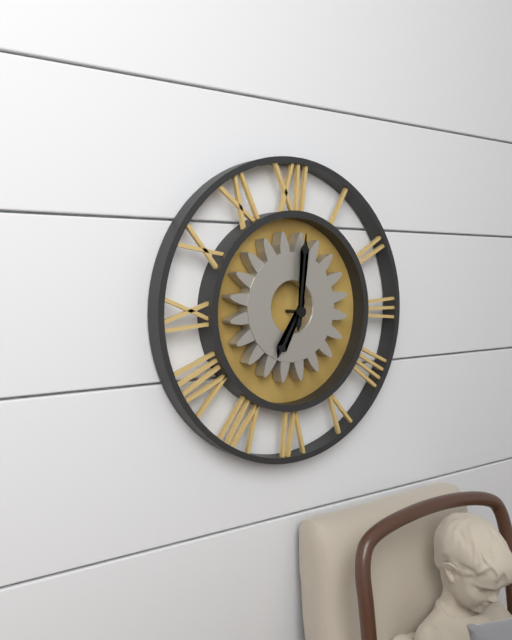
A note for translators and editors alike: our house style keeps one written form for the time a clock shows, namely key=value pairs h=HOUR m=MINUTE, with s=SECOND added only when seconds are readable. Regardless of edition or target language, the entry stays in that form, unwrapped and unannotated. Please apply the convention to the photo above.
h=7 m=1
